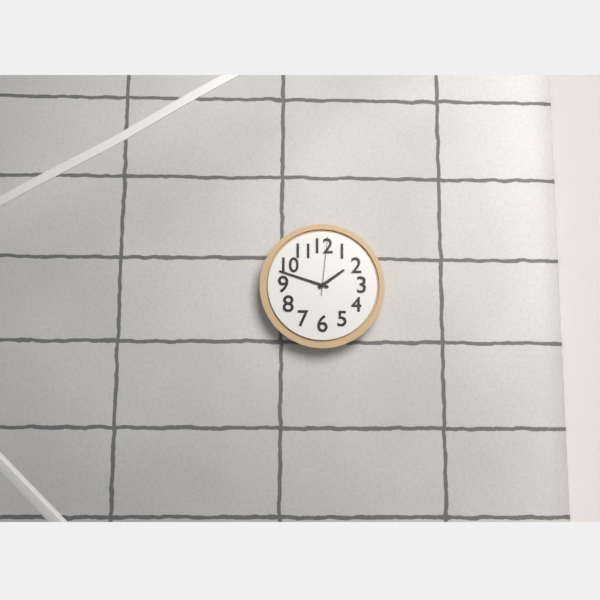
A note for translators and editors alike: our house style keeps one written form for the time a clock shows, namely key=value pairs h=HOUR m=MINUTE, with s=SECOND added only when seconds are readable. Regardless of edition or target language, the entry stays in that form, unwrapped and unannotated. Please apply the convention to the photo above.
h=1 m=48 s=1
